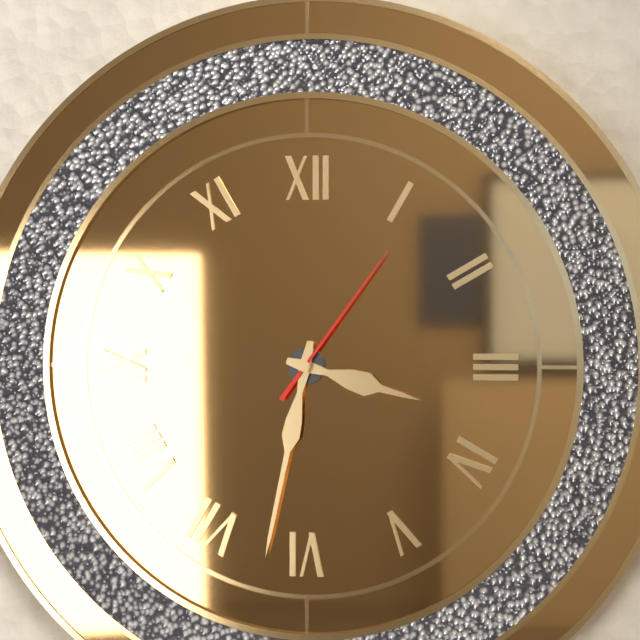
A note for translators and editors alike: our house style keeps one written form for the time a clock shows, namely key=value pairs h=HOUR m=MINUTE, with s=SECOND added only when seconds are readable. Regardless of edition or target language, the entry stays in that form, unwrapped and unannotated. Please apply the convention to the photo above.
h=3 m=32 s=6
